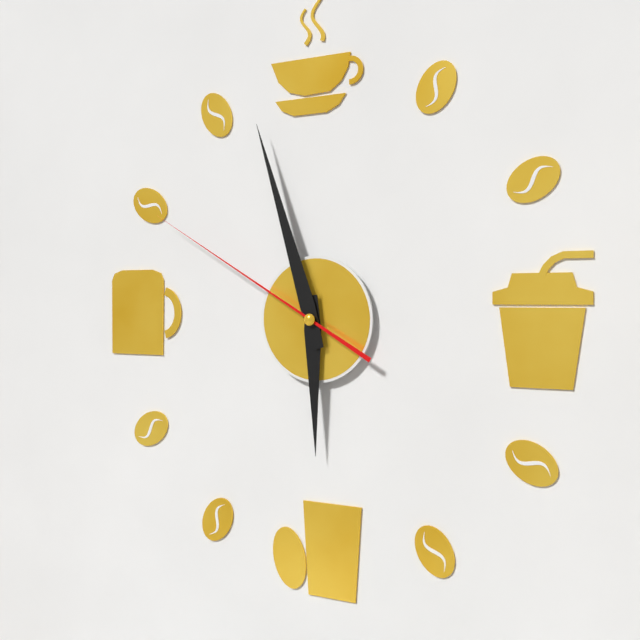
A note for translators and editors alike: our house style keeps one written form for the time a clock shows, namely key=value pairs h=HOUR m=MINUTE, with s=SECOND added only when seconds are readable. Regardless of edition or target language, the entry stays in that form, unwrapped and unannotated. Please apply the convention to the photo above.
h=5 m=57 s=50
